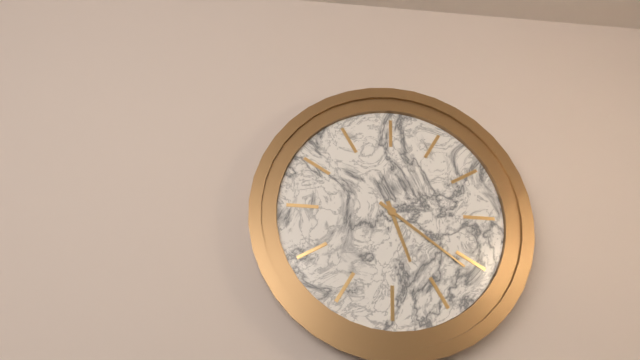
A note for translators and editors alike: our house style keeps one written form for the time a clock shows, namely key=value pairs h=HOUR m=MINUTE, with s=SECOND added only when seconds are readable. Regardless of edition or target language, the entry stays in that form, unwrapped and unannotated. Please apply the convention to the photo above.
h=5 m=21
